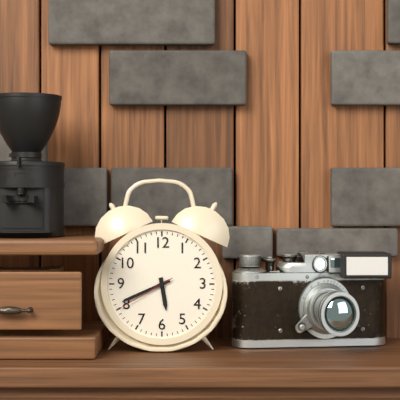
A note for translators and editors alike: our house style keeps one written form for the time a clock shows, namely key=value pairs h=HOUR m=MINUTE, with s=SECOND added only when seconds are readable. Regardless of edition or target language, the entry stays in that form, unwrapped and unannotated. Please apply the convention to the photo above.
h=5 m=41 s=40
